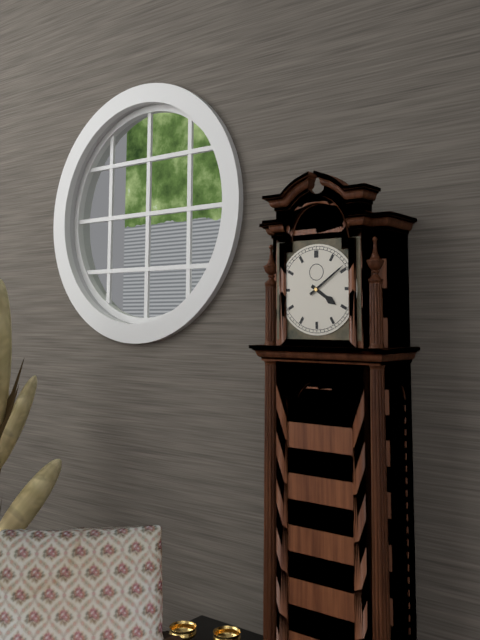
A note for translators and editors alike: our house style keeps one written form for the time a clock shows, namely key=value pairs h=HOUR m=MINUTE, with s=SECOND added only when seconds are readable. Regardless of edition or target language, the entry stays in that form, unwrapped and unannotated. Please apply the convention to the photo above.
h=4 m=9
